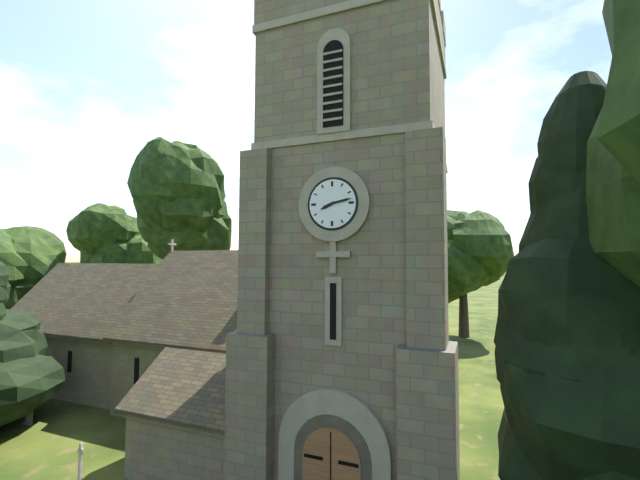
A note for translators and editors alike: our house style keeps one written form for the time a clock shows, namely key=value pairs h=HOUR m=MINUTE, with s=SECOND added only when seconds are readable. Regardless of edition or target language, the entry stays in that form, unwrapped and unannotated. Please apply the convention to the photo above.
h=8 m=13
